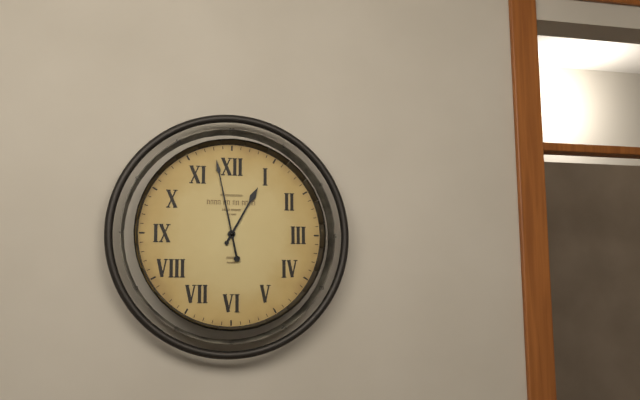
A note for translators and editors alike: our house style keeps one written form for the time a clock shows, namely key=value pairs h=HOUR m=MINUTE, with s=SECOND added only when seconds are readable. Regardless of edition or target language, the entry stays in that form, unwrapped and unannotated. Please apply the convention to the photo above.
h=12 m=58
